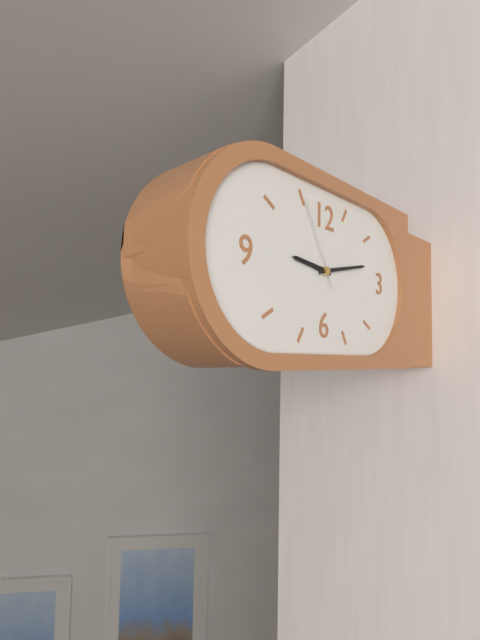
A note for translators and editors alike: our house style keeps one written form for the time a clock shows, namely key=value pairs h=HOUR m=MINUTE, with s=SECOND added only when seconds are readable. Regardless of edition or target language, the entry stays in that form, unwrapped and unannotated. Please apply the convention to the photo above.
h=9 m=13 s=55
